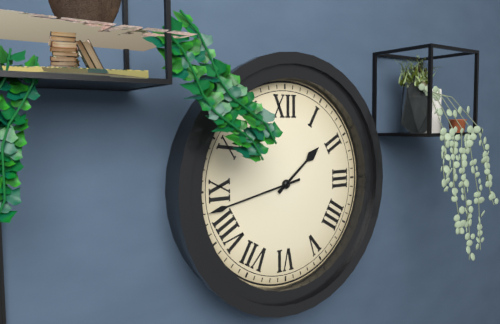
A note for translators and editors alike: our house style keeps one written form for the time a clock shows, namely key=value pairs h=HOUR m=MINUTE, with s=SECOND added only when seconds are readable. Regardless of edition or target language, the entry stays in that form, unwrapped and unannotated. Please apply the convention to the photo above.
h=1 m=43
